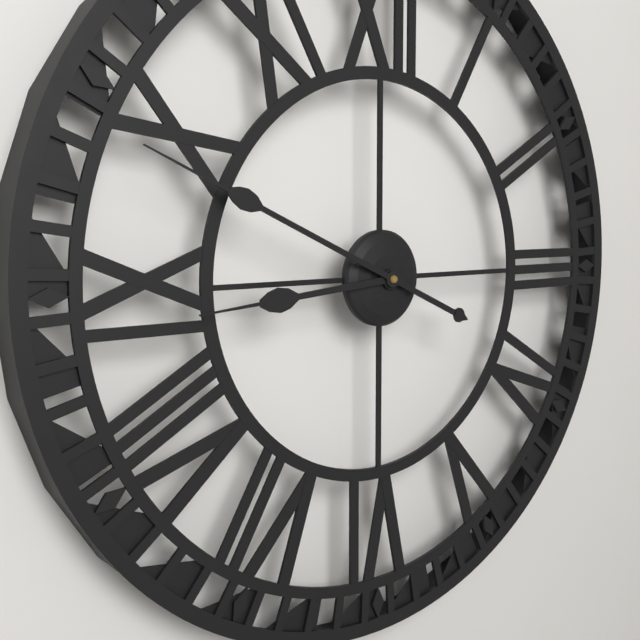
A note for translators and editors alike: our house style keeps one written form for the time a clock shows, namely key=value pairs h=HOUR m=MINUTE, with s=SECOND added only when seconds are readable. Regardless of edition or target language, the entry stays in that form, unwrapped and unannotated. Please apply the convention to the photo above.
h=8 m=49
